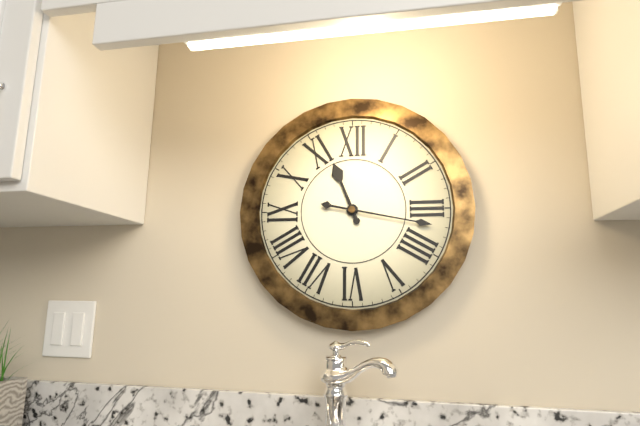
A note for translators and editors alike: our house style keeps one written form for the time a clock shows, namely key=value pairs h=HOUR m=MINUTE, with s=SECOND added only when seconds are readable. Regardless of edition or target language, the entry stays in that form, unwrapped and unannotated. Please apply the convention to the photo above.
h=11 m=17
